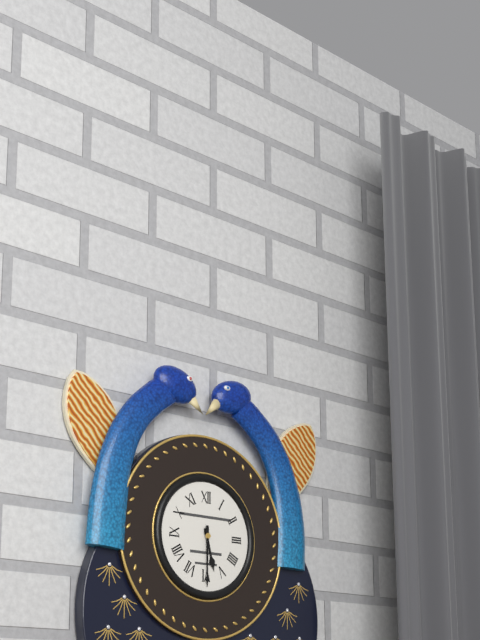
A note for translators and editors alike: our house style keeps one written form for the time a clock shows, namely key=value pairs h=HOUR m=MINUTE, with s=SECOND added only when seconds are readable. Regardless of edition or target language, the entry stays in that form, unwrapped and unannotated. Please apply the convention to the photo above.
h=5 m=30
